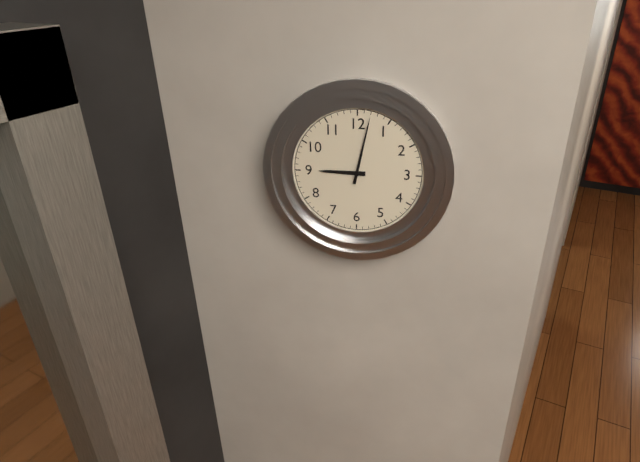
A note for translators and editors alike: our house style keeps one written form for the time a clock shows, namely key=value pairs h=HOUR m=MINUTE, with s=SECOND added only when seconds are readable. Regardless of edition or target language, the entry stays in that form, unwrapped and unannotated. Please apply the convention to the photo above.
h=9 m=2
